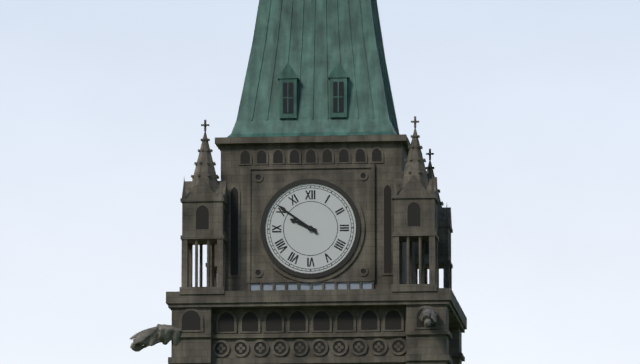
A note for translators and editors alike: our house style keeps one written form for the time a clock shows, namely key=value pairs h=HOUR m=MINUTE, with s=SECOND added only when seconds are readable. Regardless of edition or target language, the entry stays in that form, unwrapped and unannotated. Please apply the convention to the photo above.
h=9 m=51
